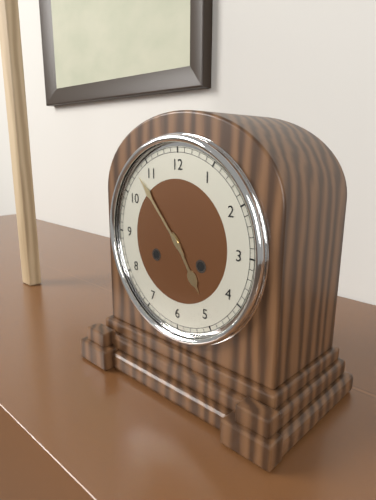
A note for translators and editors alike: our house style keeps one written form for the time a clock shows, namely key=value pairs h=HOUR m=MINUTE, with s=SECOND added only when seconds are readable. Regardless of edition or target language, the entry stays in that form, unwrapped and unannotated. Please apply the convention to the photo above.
h=4 m=53
